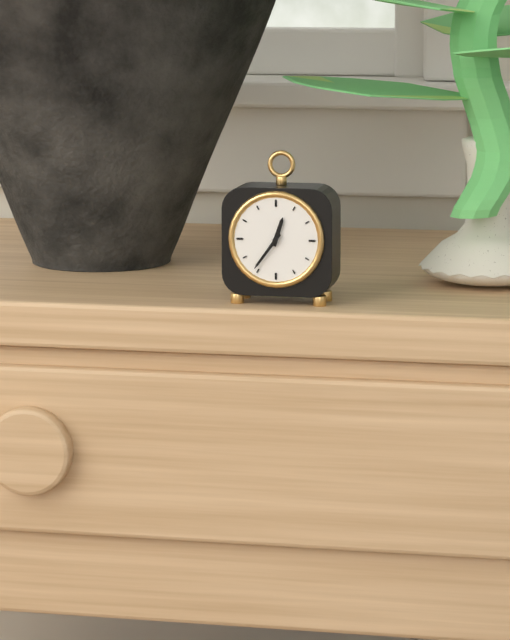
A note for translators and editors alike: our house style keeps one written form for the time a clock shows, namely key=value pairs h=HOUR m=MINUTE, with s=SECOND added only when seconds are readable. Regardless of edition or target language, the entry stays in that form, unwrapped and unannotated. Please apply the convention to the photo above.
h=12 m=36
